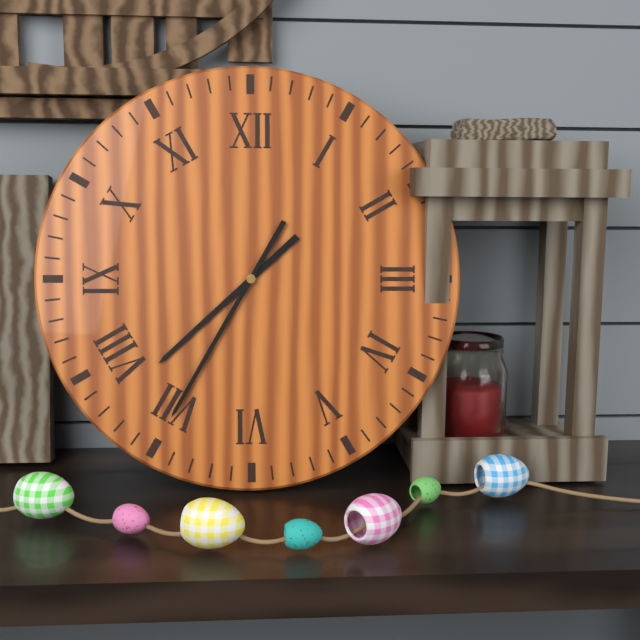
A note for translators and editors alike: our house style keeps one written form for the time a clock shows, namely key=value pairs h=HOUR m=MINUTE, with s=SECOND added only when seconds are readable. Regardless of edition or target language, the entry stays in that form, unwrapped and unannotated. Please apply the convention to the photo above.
h=7 m=35
